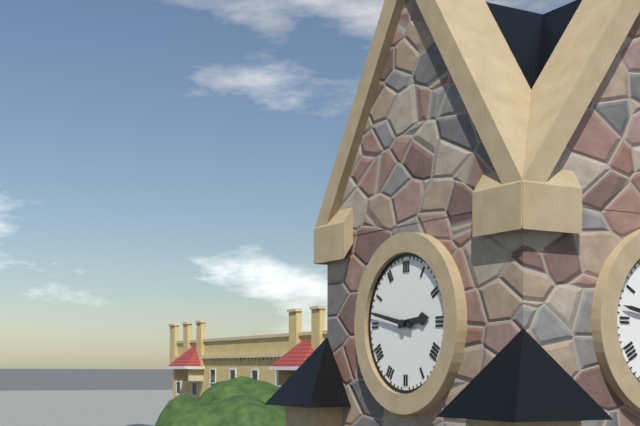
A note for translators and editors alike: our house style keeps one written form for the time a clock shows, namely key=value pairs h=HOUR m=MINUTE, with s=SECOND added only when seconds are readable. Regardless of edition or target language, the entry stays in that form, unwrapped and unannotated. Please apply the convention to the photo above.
h=2 m=47
